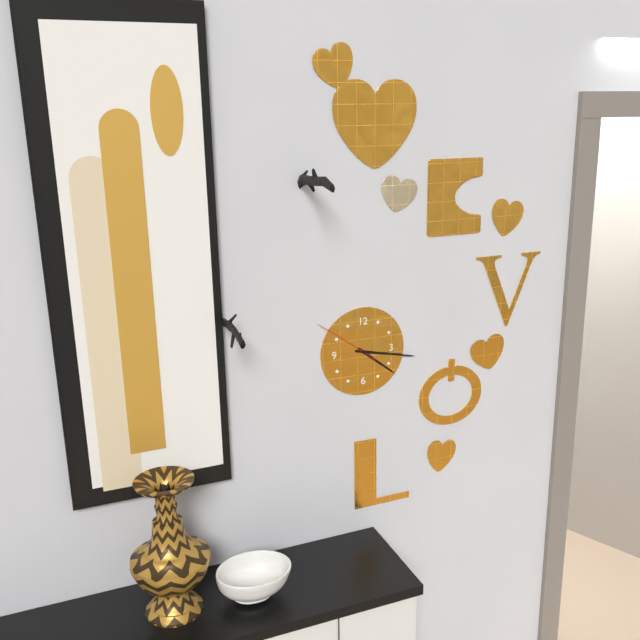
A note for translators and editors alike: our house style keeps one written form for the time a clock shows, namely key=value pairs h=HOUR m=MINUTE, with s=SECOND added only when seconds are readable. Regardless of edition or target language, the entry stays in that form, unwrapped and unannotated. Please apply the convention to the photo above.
h=4 m=17 s=51
